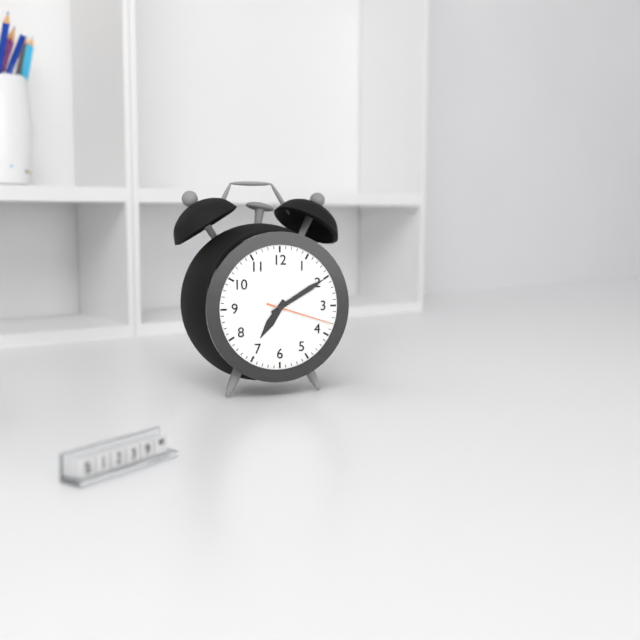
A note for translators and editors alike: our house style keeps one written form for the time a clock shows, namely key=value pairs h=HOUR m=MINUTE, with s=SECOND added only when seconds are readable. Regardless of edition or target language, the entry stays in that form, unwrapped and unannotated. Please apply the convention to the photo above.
h=7 m=10 s=18
